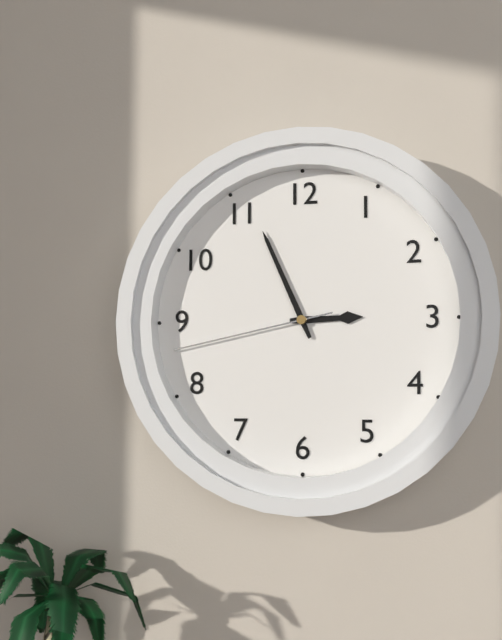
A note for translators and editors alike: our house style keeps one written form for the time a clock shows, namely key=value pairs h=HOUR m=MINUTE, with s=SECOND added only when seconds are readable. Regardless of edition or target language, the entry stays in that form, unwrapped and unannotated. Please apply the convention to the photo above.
h=2 m=56 s=43
